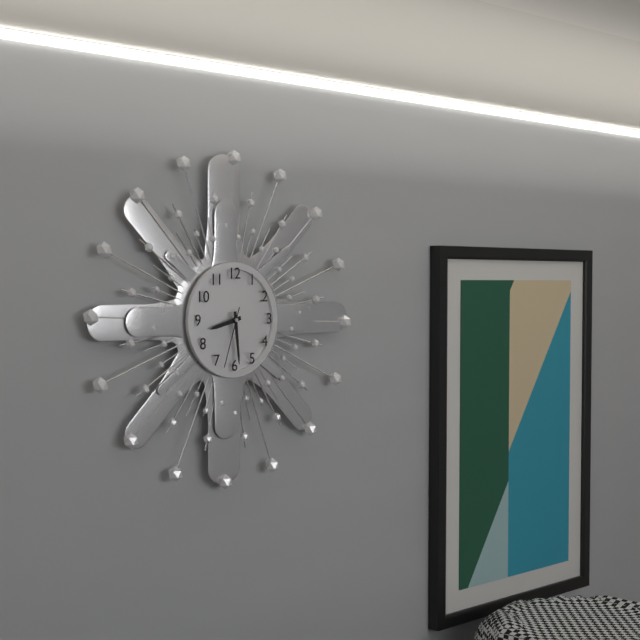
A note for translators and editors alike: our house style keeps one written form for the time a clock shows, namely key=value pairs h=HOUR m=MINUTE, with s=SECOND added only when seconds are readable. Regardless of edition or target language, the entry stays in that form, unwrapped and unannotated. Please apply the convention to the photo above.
h=8 m=29 s=33
